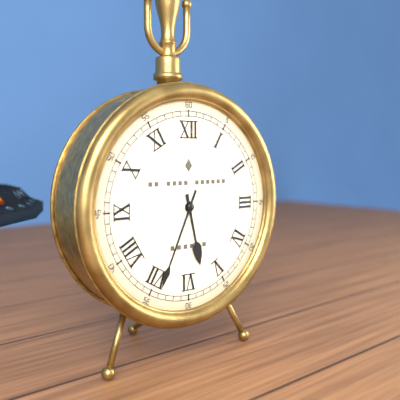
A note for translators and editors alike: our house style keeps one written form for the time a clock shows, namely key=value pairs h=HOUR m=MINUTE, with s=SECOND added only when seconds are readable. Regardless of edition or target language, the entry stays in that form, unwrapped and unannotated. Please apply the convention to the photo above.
h=5 m=34
